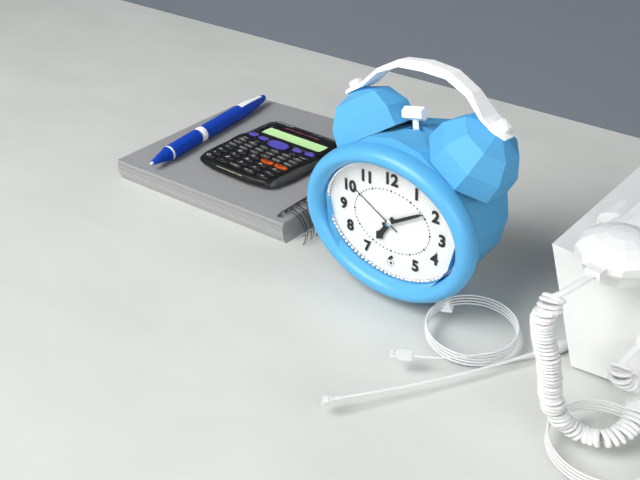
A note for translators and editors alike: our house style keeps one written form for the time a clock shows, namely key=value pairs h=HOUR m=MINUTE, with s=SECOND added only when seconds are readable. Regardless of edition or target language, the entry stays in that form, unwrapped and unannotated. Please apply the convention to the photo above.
h=7 m=10 s=50
